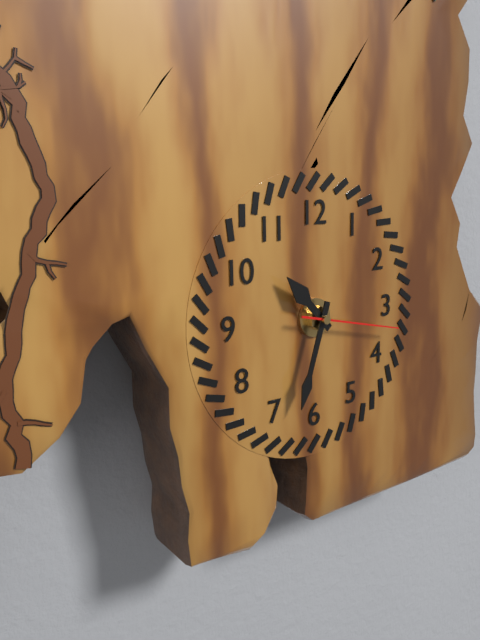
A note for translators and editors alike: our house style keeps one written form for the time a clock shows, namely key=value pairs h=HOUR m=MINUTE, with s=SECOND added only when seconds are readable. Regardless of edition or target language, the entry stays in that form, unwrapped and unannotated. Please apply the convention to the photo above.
h=10 m=33 s=17
